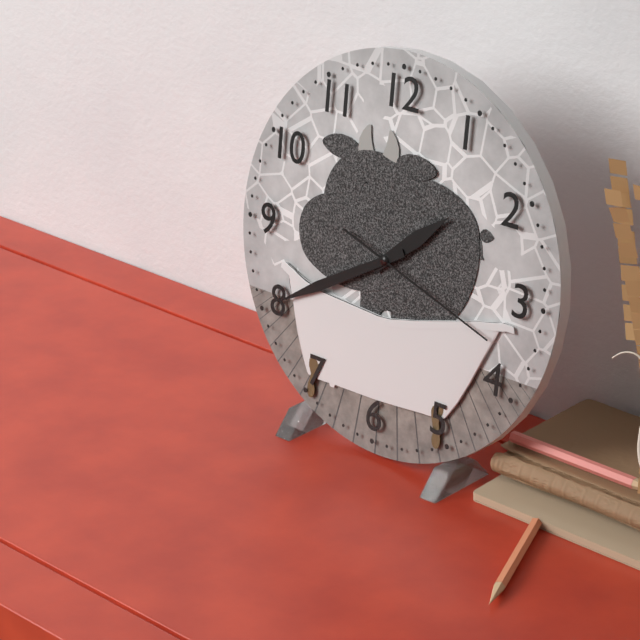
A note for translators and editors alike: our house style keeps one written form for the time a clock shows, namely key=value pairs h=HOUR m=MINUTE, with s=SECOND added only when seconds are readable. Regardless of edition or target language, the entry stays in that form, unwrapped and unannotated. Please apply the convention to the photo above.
h=1 m=40 s=18
